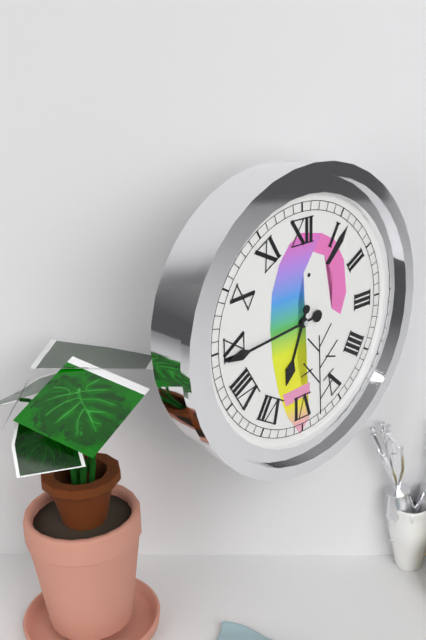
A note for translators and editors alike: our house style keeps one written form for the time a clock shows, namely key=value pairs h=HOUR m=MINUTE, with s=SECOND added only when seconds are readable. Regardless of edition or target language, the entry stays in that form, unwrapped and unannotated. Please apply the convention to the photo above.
h=6 m=44
